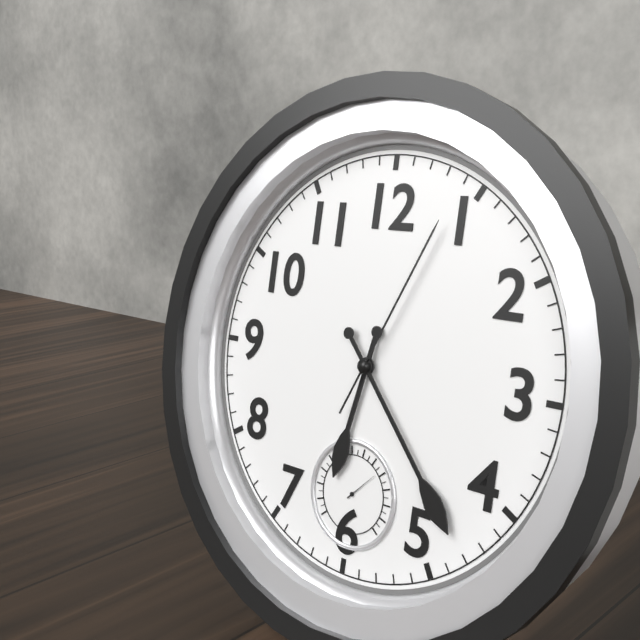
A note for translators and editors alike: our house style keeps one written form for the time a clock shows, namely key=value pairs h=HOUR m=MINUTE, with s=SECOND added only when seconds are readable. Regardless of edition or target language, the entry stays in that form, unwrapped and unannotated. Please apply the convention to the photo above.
h=6 m=23 s=4
